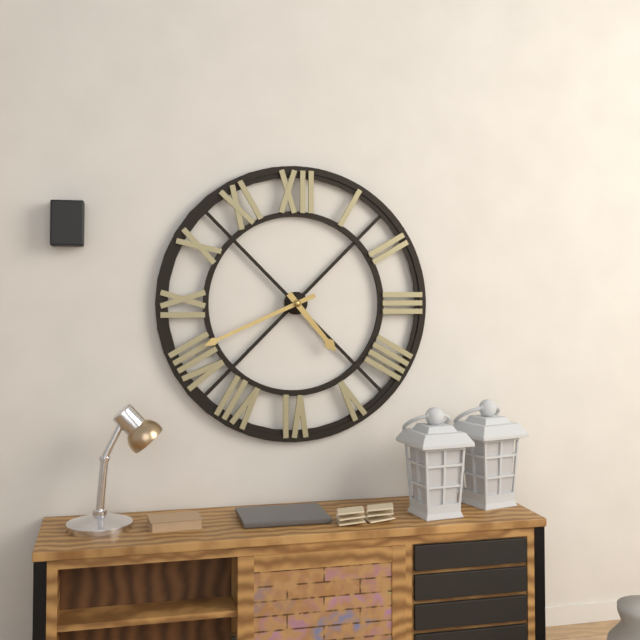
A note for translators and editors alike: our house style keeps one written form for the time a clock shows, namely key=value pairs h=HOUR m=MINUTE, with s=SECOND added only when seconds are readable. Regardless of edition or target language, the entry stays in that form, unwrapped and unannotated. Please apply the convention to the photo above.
h=4 m=41
